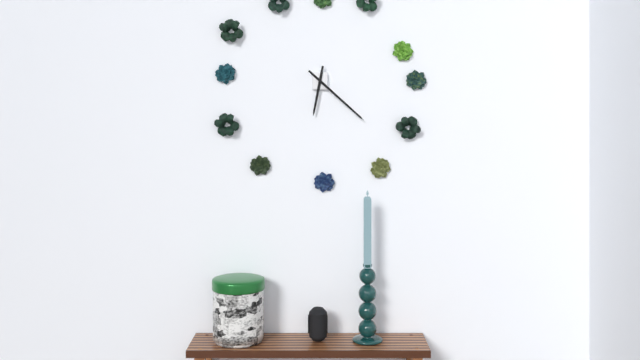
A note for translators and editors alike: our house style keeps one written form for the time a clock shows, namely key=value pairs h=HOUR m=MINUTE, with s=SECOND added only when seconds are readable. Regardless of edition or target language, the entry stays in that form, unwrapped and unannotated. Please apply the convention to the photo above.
h=6 m=22
